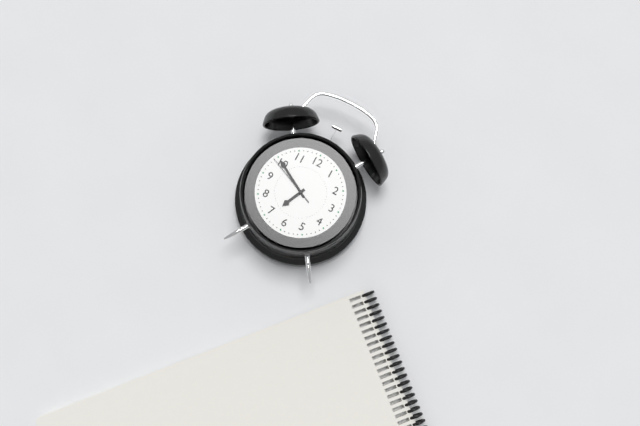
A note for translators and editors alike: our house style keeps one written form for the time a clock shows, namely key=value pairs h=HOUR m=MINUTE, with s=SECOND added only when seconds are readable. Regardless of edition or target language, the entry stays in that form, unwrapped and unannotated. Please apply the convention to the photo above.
h=6 m=50 s=49
